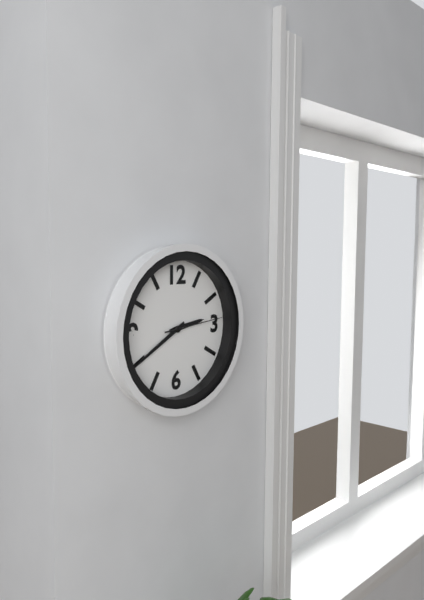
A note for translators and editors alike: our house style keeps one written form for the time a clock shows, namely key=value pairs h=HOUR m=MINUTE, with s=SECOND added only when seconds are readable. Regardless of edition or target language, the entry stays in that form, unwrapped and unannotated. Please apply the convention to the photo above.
h=2 m=40 s=14
